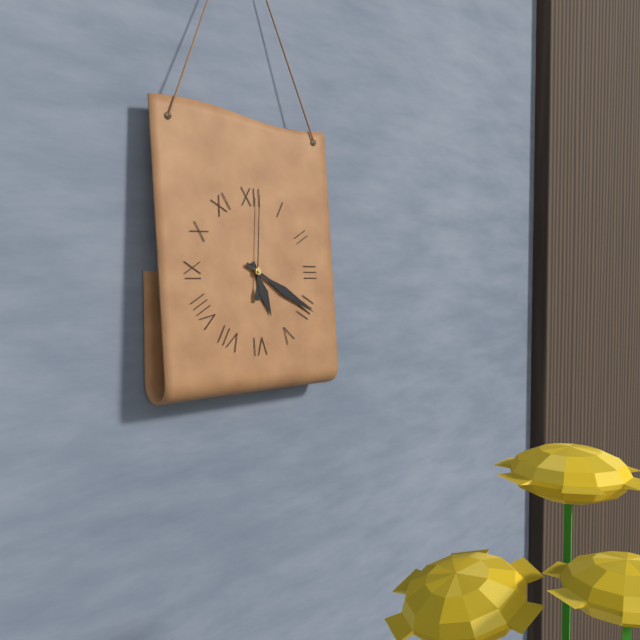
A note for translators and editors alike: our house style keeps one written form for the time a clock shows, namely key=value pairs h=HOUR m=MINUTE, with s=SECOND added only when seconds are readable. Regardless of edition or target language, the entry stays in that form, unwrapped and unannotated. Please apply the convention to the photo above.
h=5 m=20 s=1
